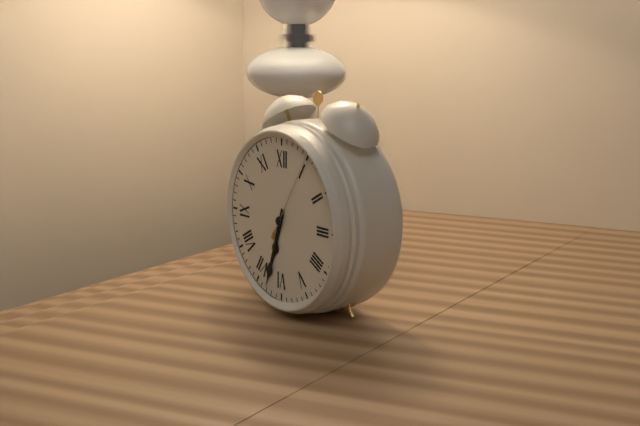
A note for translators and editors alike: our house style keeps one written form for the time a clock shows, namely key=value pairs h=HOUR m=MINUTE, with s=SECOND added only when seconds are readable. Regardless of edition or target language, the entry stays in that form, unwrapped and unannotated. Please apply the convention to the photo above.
h=6 m=33 s=5
